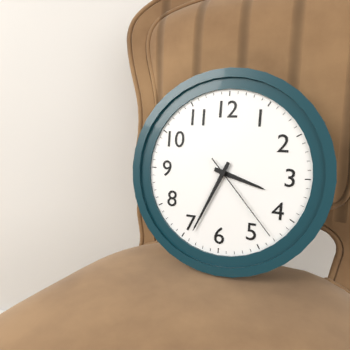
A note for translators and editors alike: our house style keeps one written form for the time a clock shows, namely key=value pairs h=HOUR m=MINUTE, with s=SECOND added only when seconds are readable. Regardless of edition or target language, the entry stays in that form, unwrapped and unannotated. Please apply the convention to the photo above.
h=3 m=34 s=23
